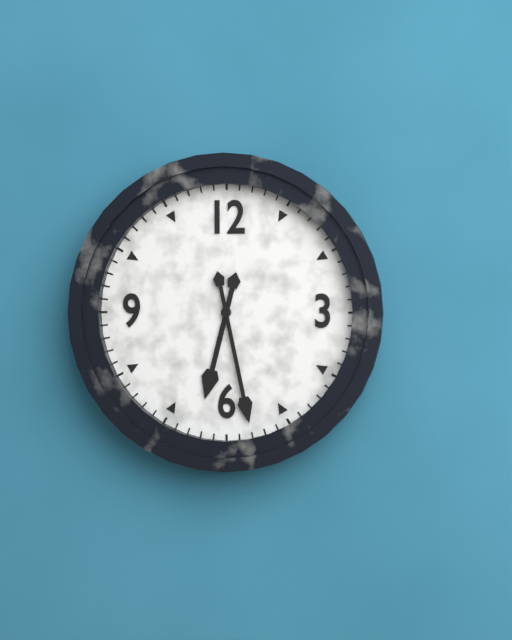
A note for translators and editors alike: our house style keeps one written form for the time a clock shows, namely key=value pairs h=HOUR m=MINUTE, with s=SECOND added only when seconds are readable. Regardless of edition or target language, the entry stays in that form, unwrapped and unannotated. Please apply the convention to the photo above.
h=6 m=28
